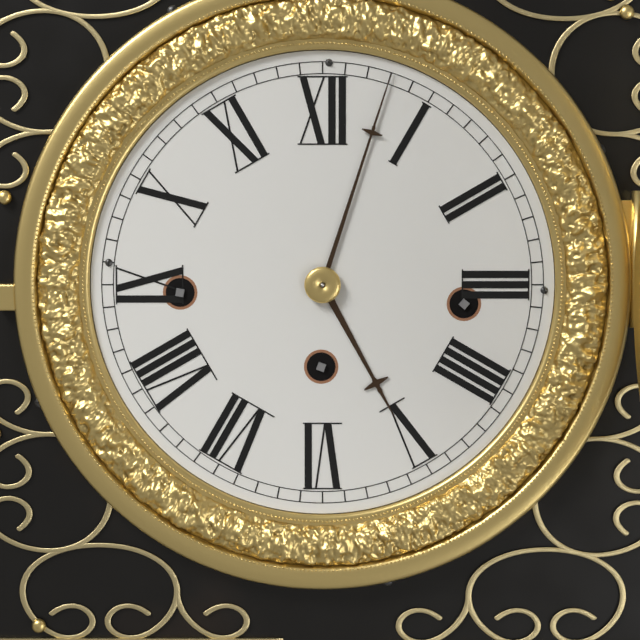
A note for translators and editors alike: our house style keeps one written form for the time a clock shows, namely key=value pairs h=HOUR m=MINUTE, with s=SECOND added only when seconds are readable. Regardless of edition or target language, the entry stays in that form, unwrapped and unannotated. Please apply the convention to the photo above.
h=5 m=3
